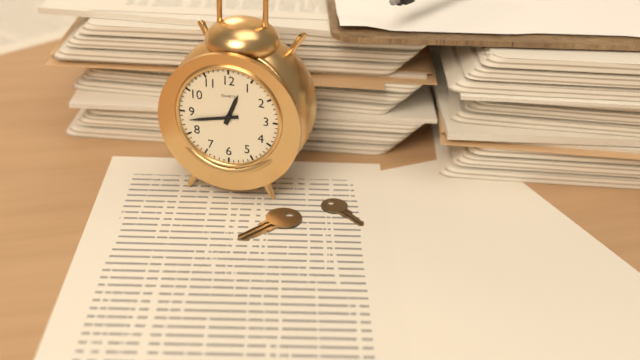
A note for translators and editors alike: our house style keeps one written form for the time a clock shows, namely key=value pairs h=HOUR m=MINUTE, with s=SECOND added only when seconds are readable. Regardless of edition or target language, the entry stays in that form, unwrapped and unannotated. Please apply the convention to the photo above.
h=12 m=43
